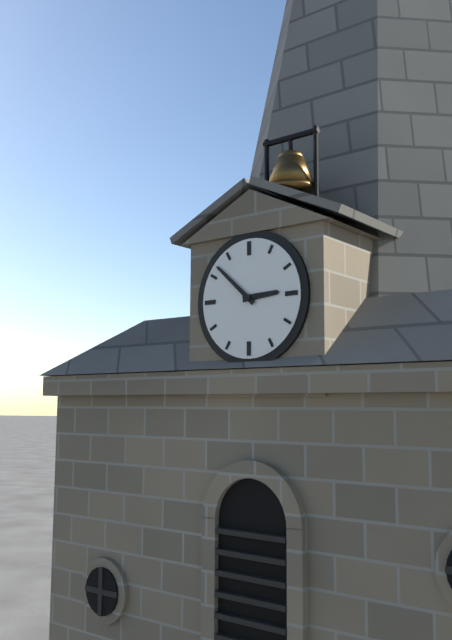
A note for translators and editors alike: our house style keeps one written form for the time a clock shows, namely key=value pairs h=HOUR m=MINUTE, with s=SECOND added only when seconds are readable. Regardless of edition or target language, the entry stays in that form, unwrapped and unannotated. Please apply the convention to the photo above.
h=2 m=52
